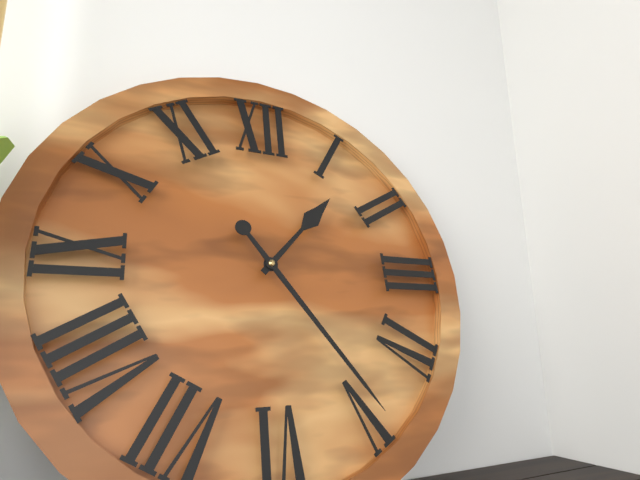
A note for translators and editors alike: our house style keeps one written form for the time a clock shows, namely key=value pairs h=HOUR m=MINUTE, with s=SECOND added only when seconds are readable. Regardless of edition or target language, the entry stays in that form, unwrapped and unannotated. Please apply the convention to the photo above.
h=1 m=24
